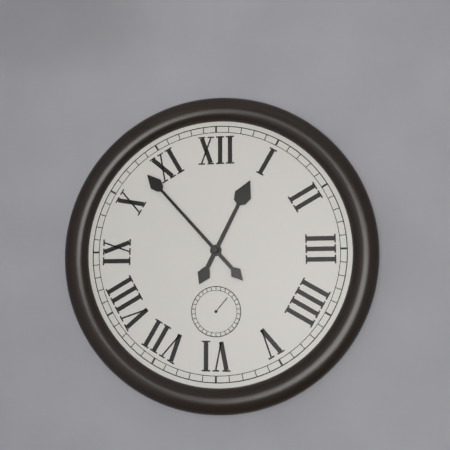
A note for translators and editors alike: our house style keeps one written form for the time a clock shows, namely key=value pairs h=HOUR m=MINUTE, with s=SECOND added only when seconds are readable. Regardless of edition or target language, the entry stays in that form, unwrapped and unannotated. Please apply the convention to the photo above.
h=12 m=53
